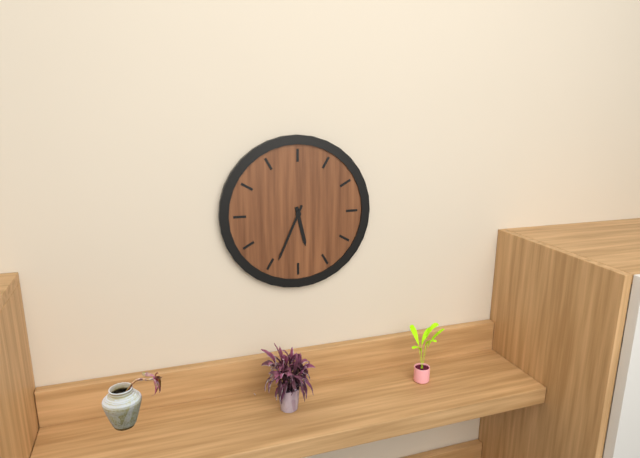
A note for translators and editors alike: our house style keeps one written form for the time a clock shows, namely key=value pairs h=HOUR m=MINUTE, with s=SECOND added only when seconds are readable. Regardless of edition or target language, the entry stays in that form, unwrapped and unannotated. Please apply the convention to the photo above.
h=5 m=34
